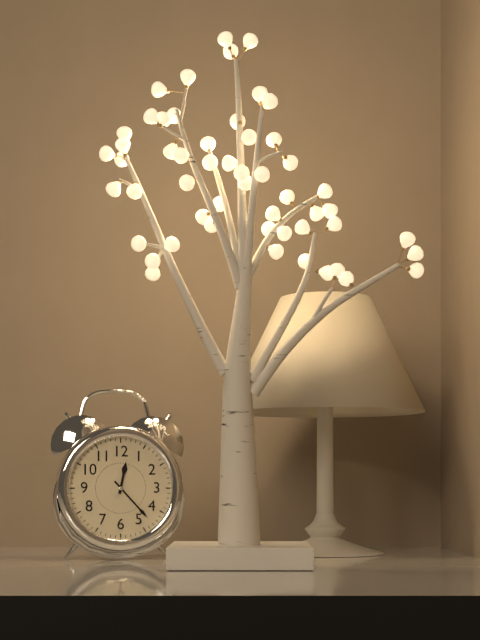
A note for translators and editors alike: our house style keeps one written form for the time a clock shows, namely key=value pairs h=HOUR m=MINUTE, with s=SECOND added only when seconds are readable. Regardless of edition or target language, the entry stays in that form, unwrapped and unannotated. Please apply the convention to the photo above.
h=12 m=23
